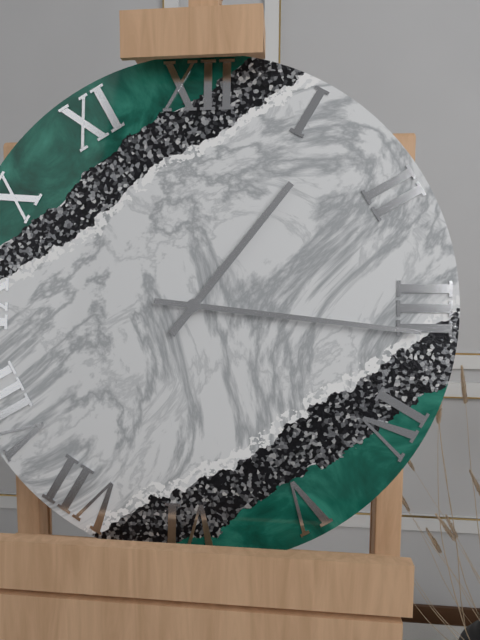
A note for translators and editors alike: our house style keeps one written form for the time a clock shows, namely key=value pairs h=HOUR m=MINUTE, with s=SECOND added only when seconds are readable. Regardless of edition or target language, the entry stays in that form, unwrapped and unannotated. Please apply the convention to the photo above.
h=1 m=16
